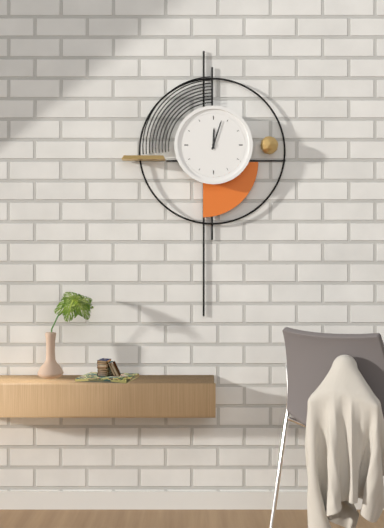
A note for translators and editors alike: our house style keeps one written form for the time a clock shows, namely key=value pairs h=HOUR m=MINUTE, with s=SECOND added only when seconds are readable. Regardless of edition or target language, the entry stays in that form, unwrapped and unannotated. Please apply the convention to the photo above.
h=12 m=3
